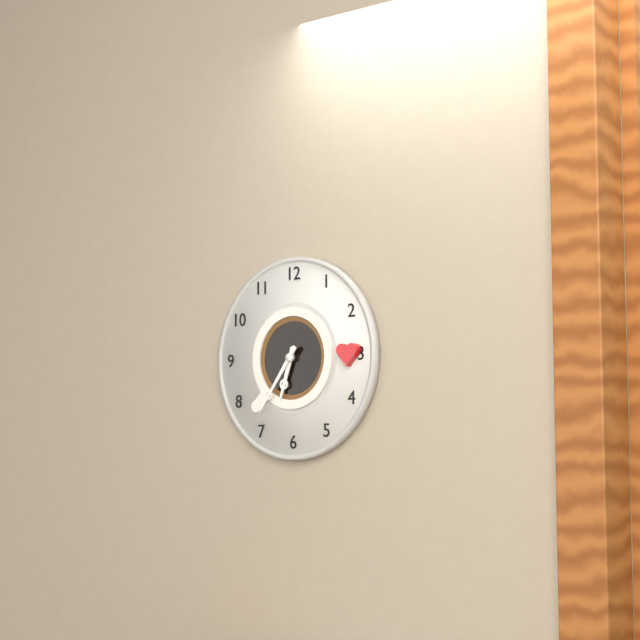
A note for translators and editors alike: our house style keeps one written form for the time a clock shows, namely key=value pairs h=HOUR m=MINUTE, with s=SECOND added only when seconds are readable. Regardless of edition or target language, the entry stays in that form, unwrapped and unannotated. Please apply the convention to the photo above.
h=6 m=36
